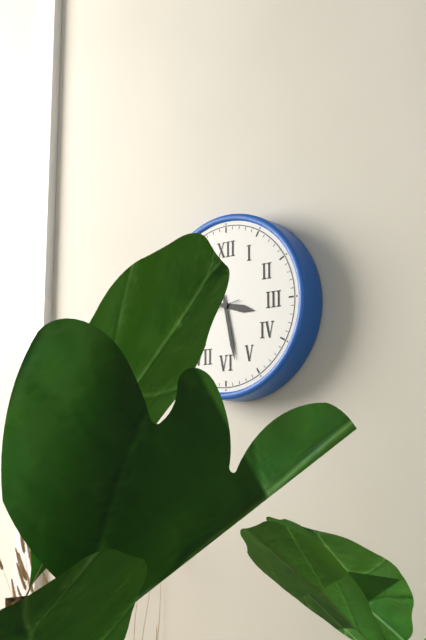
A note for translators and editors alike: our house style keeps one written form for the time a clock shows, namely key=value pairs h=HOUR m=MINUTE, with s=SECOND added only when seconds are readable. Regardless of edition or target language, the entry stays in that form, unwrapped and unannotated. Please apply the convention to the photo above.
h=3 m=28
